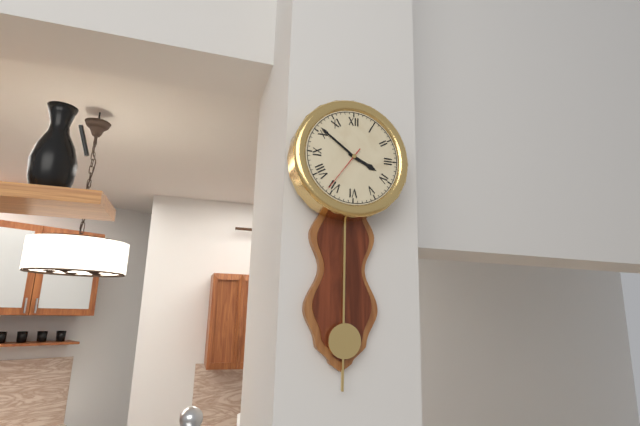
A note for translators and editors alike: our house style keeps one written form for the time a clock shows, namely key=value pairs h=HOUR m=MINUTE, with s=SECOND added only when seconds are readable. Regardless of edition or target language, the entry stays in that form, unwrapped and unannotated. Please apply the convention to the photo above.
h=3 m=51 s=36
